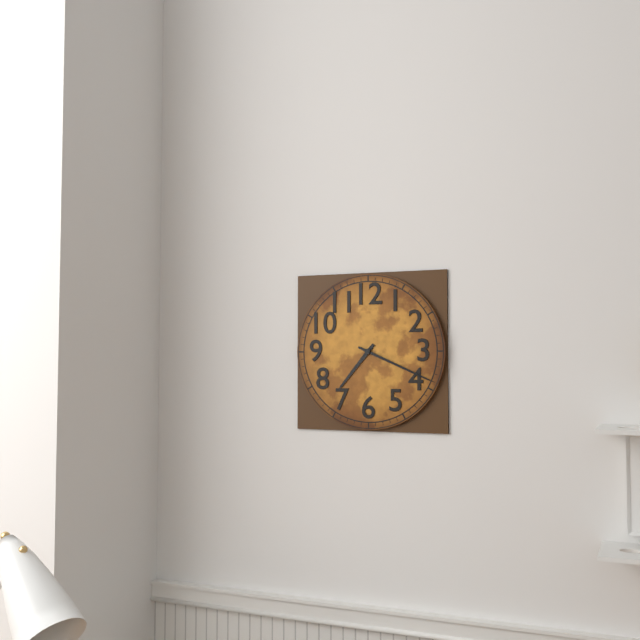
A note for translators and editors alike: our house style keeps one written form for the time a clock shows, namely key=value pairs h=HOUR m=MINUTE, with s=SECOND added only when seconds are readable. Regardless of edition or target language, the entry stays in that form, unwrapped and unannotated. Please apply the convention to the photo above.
h=7 m=19
